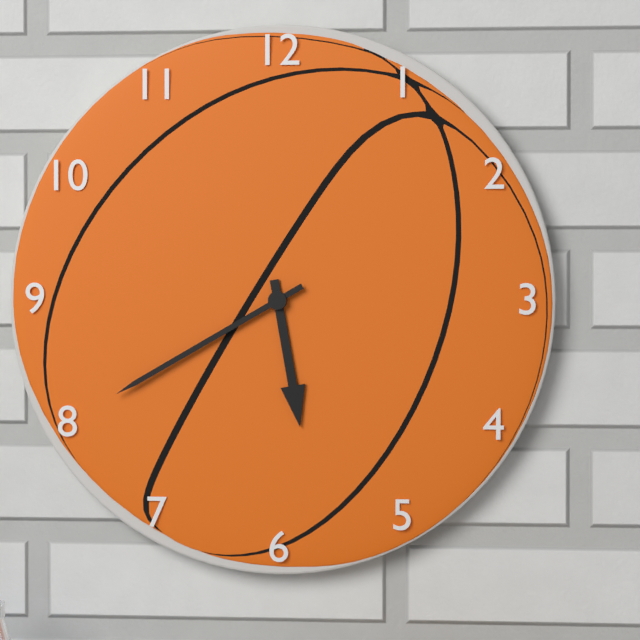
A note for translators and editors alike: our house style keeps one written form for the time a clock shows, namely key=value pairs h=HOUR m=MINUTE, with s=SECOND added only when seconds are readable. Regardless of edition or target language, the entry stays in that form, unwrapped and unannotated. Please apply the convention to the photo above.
h=5 m=40
